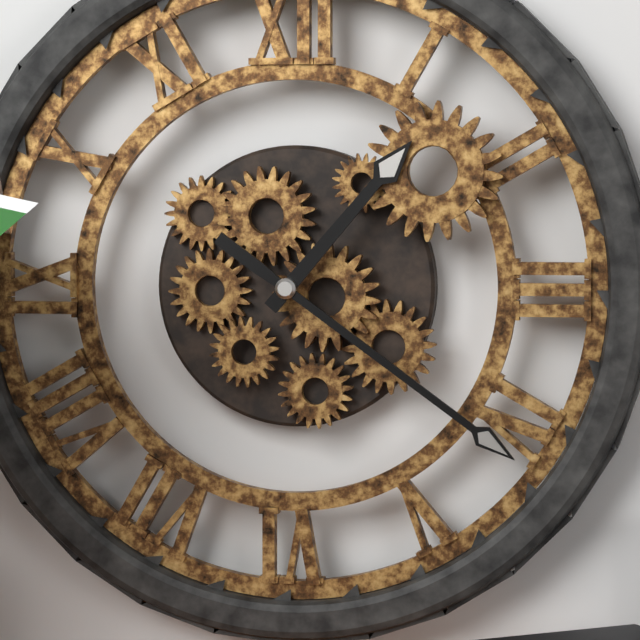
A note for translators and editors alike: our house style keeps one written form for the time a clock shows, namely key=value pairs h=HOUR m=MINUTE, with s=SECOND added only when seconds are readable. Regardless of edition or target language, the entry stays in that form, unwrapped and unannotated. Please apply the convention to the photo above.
h=1 m=21
